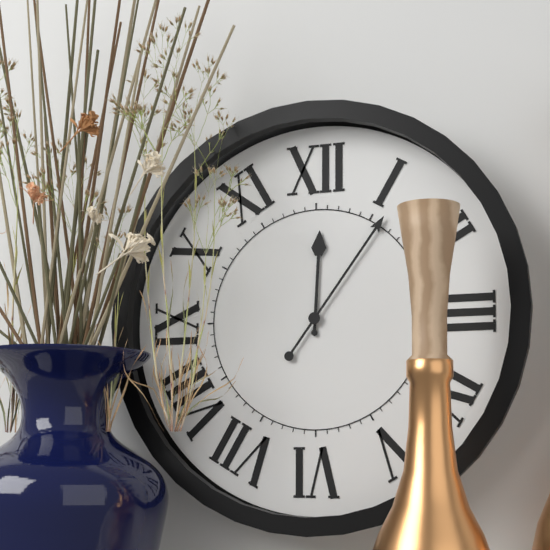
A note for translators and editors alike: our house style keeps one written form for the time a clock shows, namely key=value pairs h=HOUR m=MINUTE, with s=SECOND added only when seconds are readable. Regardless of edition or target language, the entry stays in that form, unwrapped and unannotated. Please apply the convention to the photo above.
h=12 m=6
